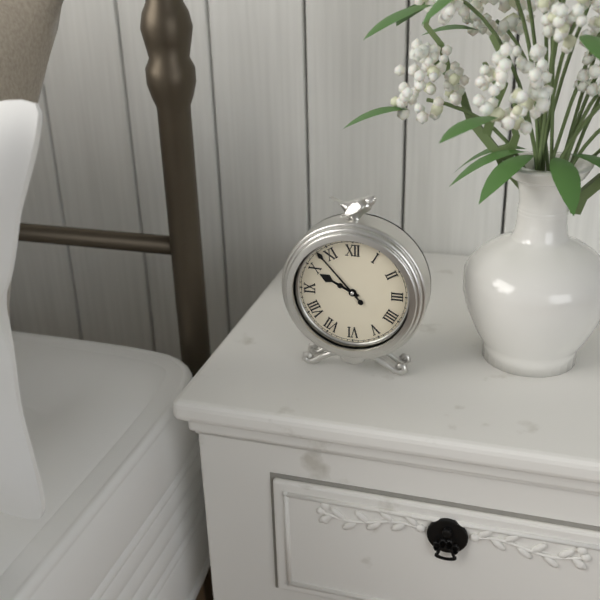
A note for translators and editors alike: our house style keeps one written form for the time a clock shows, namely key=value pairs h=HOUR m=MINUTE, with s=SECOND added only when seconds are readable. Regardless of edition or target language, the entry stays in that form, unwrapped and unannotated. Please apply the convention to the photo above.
h=9 m=53
